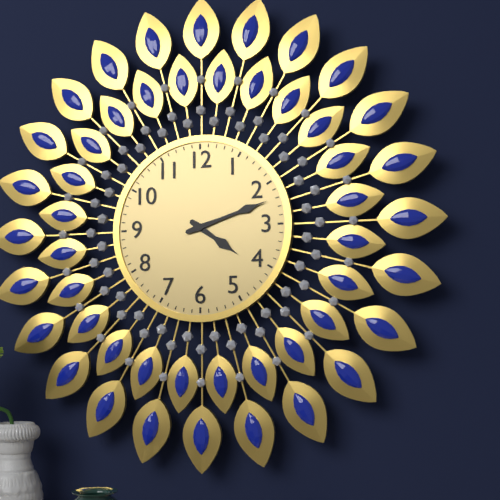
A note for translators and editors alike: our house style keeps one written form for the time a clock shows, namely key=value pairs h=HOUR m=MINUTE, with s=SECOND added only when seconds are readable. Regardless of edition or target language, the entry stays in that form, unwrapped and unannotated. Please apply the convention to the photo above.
h=4 m=12
